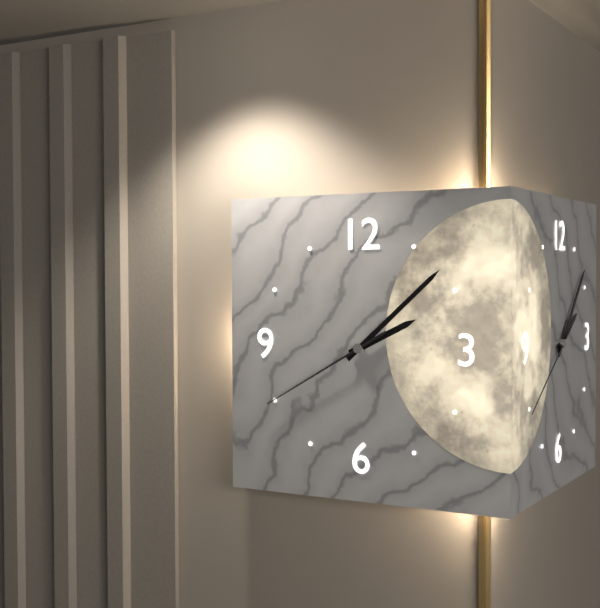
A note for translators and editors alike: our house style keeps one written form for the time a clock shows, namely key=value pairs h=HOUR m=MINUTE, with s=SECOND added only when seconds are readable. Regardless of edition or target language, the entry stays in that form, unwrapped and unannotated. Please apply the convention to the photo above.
h=2 m=8 s=40
